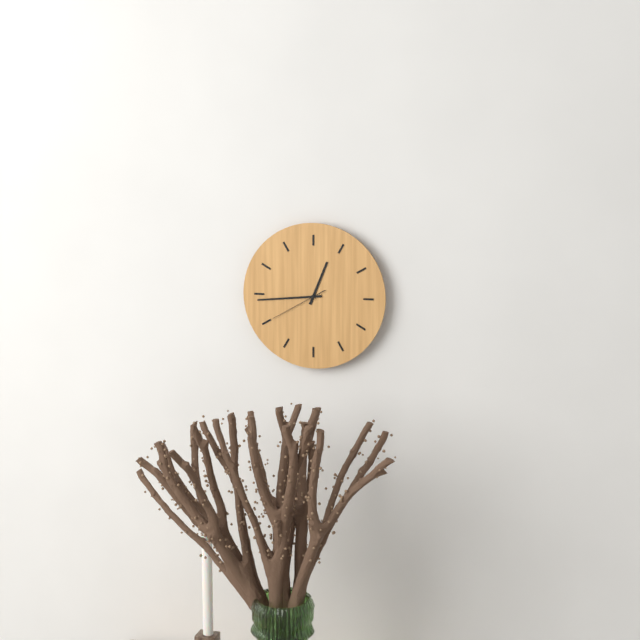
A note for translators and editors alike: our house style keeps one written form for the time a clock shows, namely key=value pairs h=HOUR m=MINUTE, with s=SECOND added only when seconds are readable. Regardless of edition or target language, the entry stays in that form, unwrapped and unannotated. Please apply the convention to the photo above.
h=12 m=44 s=40
